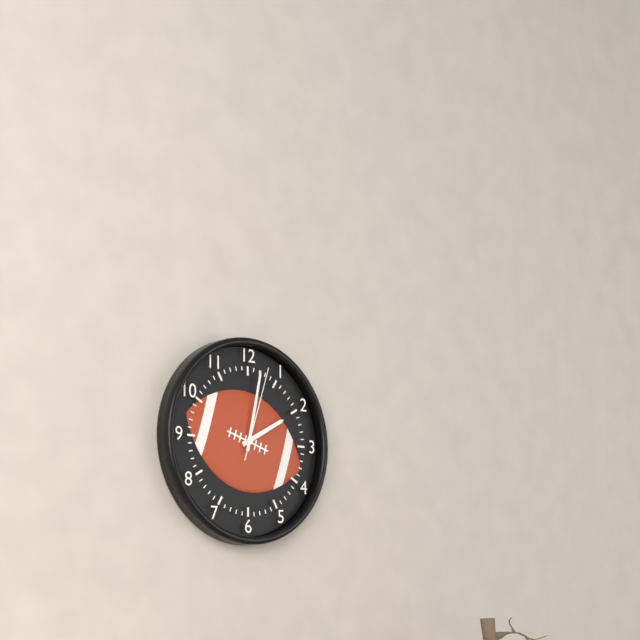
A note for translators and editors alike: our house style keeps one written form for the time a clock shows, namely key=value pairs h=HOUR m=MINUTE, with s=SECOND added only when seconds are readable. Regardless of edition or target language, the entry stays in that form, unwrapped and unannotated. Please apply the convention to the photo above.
h=2 m=2 s=3
